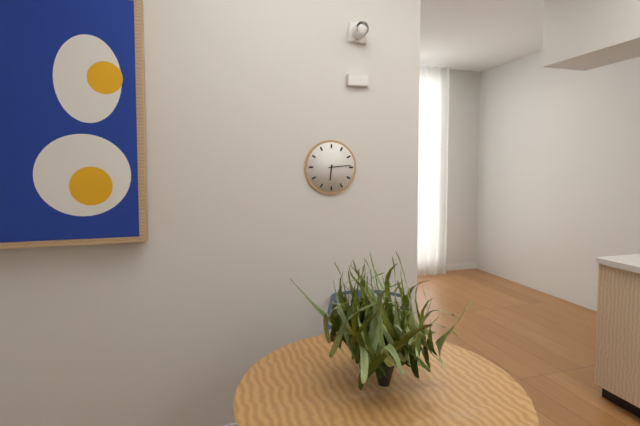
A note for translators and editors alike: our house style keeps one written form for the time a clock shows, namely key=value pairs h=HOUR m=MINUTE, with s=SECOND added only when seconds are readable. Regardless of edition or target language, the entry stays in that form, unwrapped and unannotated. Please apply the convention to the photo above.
h=6 m=14
